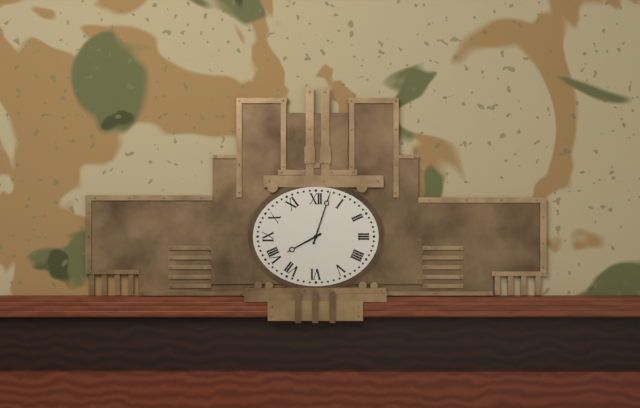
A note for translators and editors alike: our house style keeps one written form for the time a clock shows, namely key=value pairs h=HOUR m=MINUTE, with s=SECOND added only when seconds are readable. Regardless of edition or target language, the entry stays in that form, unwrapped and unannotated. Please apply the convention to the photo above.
h=8 m=3
